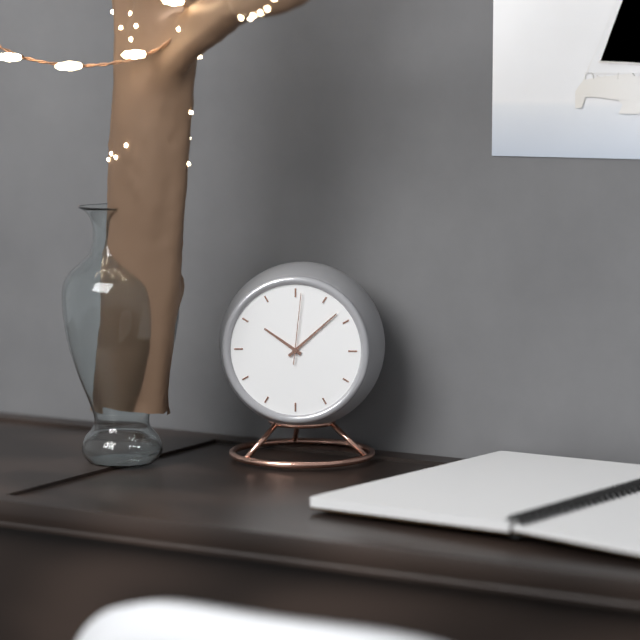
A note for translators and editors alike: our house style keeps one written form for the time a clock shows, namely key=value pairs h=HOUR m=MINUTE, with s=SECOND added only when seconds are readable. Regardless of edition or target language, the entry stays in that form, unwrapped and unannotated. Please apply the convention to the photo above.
h=10 m=8 s=1
